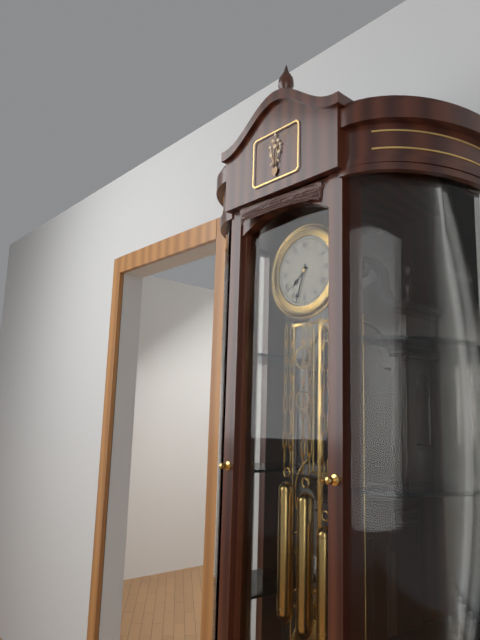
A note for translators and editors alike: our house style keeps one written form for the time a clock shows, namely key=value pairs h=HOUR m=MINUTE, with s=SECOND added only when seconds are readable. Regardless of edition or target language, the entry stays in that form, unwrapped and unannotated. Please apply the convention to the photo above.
h=7 m=33
